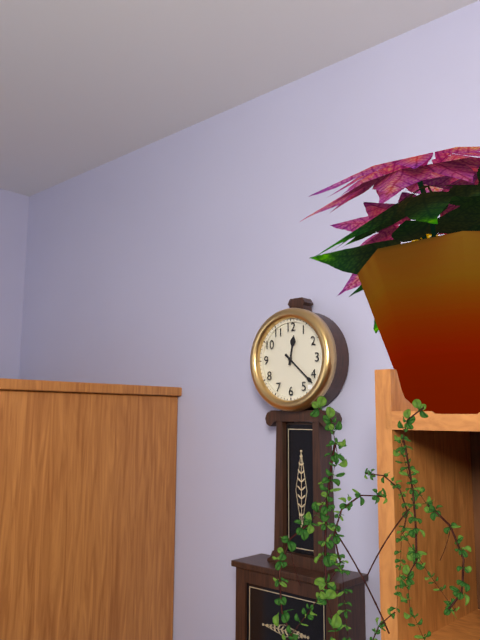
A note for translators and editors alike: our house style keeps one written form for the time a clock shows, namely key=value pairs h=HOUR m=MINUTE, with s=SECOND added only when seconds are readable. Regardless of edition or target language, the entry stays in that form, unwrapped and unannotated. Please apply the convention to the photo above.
h=12 m=22
